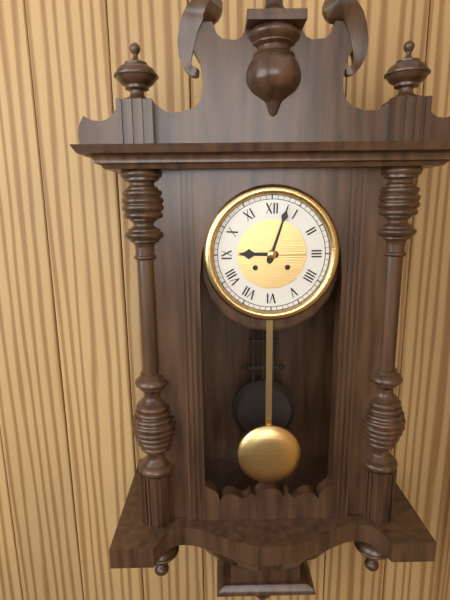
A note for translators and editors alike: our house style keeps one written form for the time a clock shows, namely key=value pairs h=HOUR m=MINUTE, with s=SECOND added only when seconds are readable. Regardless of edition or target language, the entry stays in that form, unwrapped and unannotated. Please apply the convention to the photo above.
h=9 m=3
